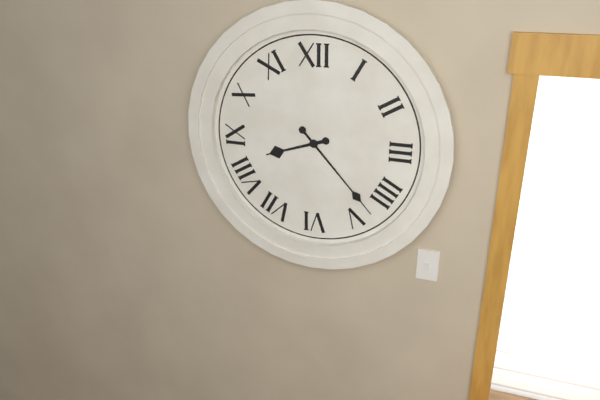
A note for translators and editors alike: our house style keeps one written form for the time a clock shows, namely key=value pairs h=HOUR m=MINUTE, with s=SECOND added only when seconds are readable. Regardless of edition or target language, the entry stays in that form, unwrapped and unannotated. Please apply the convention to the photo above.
h=8 m=23
